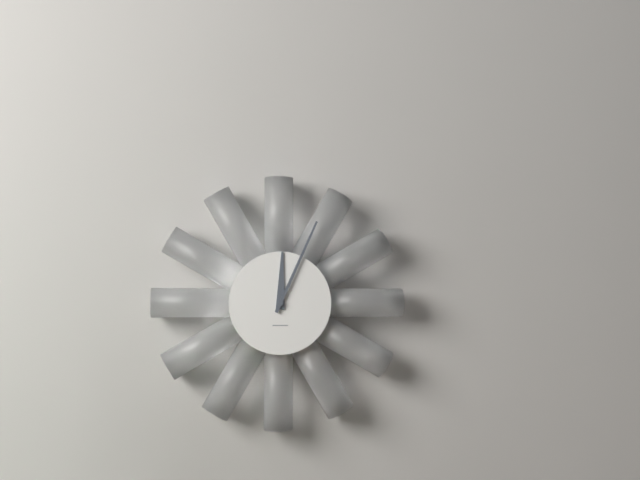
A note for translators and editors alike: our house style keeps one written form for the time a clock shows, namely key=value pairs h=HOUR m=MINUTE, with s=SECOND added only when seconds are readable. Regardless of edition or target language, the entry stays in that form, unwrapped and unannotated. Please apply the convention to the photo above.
h=12 m=4
